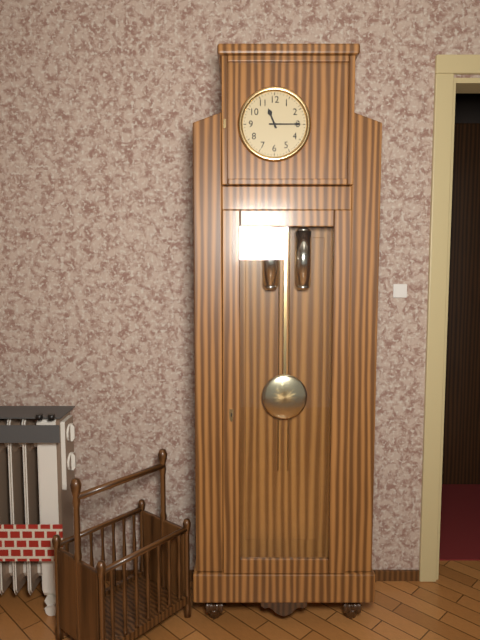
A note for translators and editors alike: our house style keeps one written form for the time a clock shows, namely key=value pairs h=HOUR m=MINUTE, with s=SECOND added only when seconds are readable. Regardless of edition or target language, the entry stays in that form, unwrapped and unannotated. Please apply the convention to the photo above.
h=11 m=15
